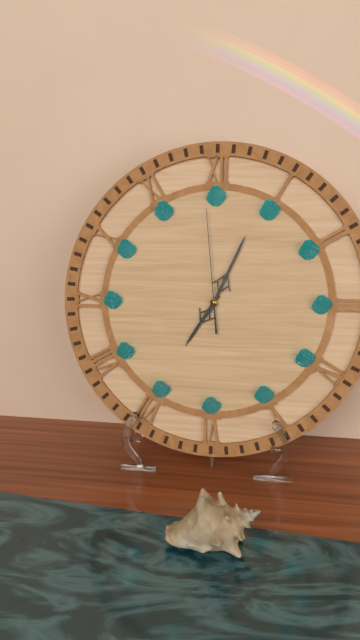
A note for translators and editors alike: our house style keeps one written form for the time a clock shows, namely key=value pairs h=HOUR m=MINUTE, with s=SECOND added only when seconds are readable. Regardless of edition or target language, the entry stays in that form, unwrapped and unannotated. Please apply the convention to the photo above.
h=7 m=4 s=59
